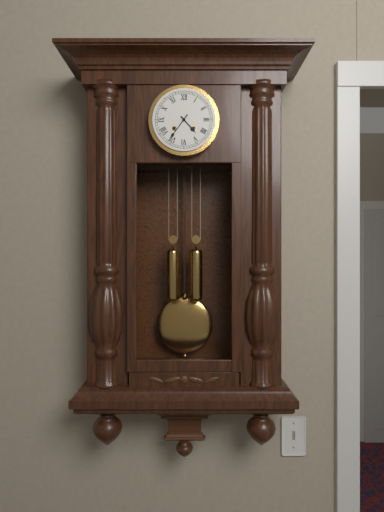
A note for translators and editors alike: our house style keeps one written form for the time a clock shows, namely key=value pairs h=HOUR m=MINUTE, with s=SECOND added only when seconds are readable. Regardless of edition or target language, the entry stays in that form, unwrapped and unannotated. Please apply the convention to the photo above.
h=4 m=36
